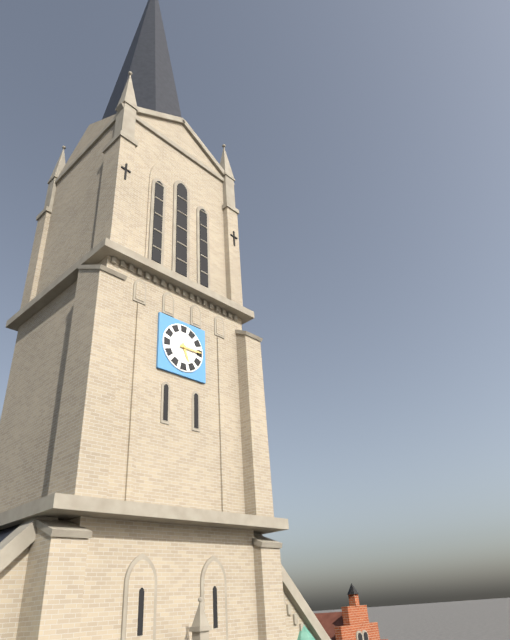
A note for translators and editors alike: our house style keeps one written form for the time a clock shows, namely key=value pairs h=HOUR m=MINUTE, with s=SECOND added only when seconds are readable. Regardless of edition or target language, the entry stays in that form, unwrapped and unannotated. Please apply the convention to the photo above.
h=5 m=15
